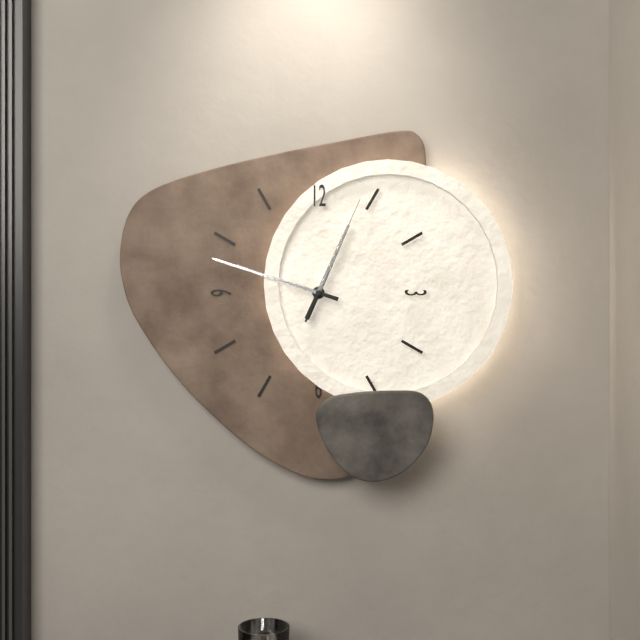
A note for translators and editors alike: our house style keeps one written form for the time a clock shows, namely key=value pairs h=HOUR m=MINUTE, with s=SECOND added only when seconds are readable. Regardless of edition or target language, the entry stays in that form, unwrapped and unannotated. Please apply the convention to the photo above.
h=12 m=48 s=4
